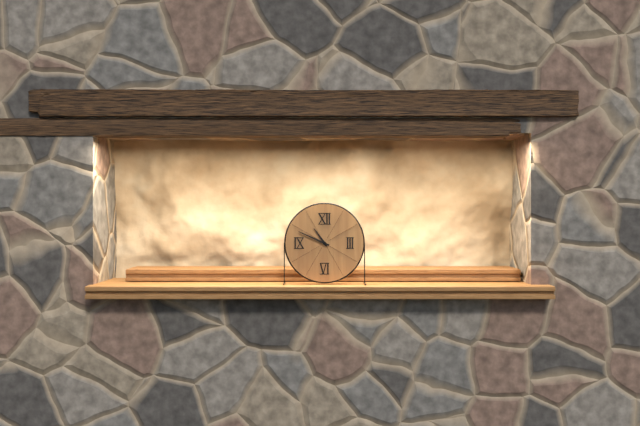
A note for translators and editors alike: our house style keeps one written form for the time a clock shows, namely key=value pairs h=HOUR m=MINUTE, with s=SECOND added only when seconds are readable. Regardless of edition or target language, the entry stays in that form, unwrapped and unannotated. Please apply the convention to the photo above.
h=10 m=49
